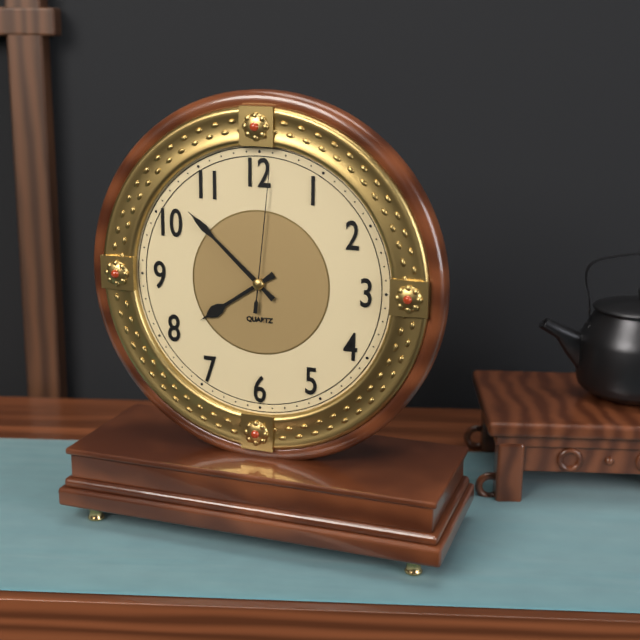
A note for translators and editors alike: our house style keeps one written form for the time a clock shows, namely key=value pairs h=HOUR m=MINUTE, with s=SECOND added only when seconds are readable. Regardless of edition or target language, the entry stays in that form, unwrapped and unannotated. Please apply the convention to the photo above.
h=7 m=52 s=1
